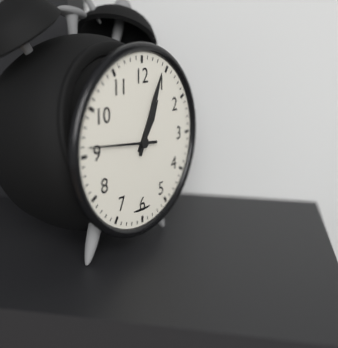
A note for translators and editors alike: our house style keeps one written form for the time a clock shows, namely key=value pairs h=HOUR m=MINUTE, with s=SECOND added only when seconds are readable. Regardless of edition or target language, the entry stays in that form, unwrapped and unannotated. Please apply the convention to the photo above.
h=1 m=4 s=46
